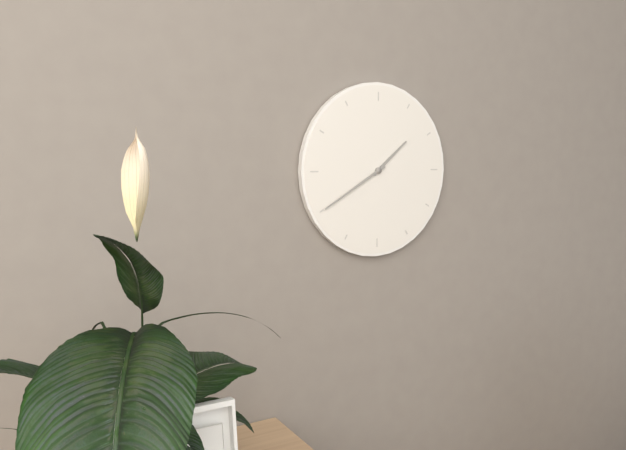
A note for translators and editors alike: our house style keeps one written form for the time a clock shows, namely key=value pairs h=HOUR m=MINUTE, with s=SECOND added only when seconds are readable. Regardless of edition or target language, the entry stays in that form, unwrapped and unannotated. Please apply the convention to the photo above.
h=1 m=40
